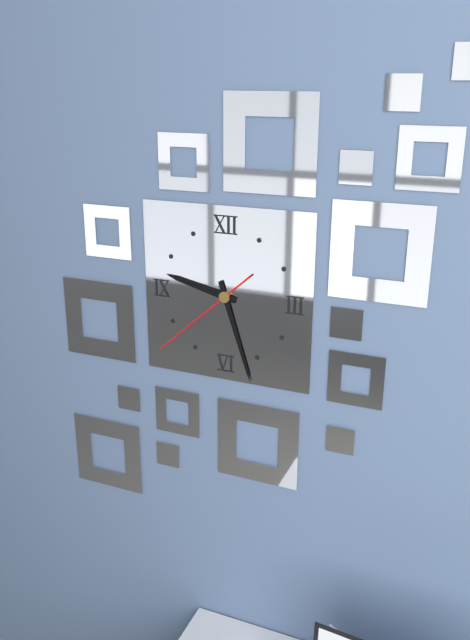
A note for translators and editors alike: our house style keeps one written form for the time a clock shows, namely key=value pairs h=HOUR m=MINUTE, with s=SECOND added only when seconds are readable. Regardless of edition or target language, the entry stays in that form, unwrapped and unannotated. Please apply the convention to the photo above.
h=9 m=27 s=38
